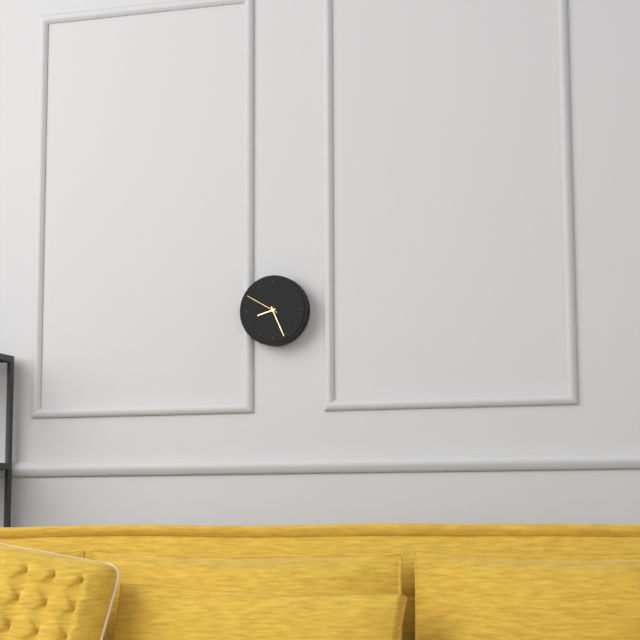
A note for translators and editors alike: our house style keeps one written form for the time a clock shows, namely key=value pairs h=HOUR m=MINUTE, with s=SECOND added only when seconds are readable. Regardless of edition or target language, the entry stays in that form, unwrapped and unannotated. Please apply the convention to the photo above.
h=8 m=26
